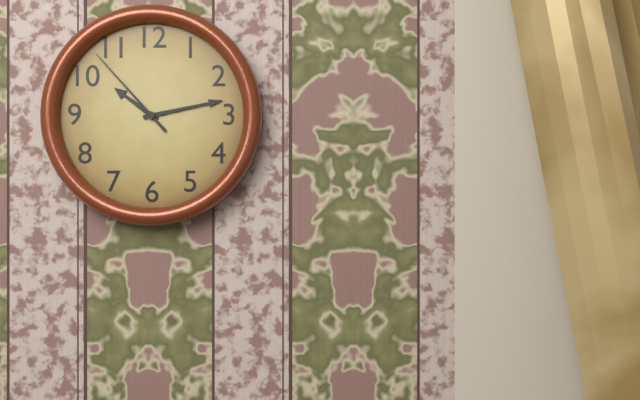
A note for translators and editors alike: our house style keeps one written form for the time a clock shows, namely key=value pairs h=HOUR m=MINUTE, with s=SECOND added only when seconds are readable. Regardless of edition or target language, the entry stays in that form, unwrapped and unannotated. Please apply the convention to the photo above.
h=10 m=13 s=53
